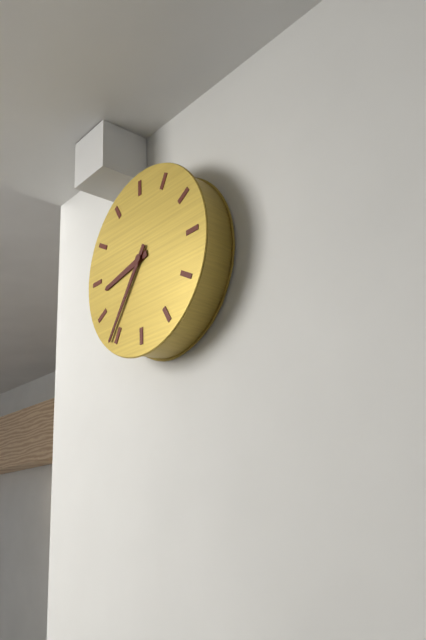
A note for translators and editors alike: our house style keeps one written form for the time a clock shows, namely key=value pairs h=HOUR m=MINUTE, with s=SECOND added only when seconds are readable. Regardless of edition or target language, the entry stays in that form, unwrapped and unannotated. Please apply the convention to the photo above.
h=8 m=36
